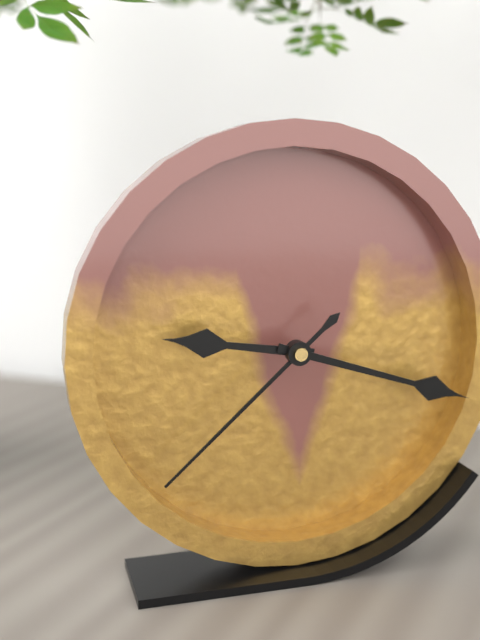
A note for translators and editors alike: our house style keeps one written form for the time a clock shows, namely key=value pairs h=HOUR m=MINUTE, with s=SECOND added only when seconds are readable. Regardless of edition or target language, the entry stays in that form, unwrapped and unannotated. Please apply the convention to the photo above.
h=9 m=18 s=38
